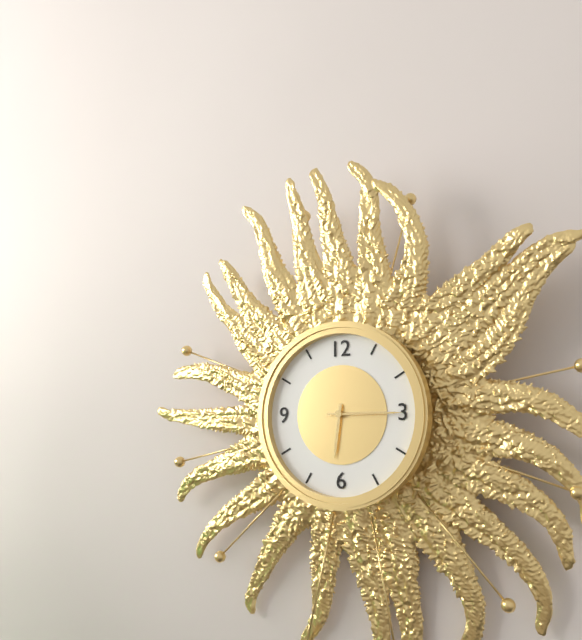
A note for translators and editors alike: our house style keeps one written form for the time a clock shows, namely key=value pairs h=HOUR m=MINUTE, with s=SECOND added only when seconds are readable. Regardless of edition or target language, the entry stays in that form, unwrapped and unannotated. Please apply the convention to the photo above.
h=6 m=15
